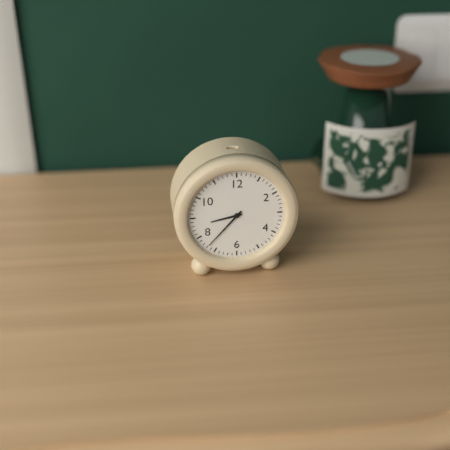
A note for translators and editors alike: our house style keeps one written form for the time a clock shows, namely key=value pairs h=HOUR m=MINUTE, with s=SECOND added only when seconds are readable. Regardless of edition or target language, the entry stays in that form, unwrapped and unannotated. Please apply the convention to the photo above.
h=8 m=37
